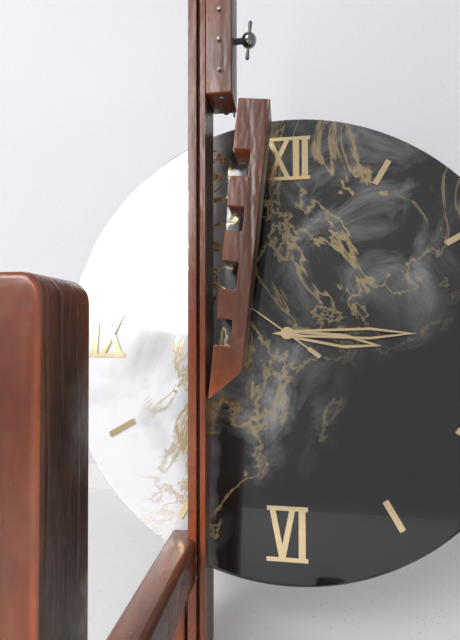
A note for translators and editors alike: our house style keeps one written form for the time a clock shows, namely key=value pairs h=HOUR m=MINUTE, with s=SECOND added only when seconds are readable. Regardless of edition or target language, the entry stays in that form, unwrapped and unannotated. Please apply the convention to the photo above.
h=3 m=15
